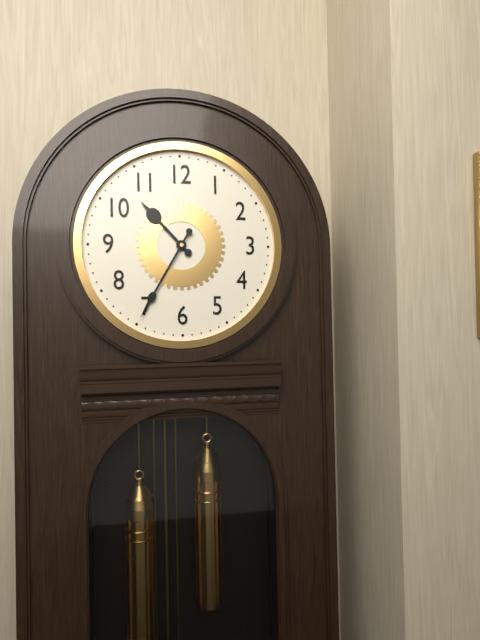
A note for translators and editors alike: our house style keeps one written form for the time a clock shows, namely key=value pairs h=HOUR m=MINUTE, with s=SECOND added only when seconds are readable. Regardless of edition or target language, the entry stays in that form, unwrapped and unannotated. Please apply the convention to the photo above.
h=10 m=35
